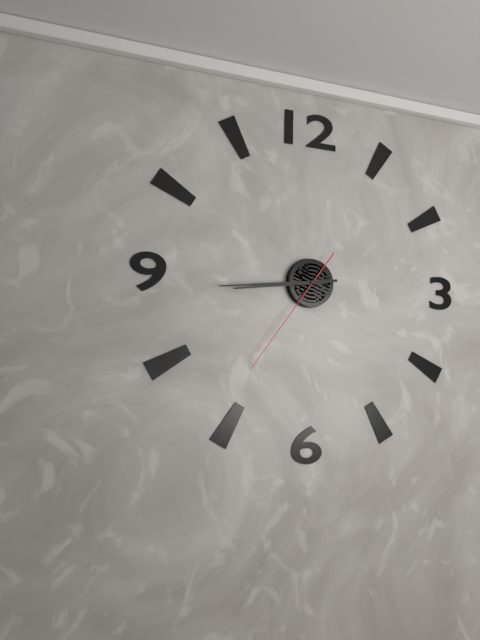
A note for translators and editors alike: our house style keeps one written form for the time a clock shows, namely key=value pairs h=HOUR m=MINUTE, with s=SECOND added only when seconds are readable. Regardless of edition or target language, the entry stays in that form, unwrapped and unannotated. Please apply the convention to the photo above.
h=8 m=44 s=36
